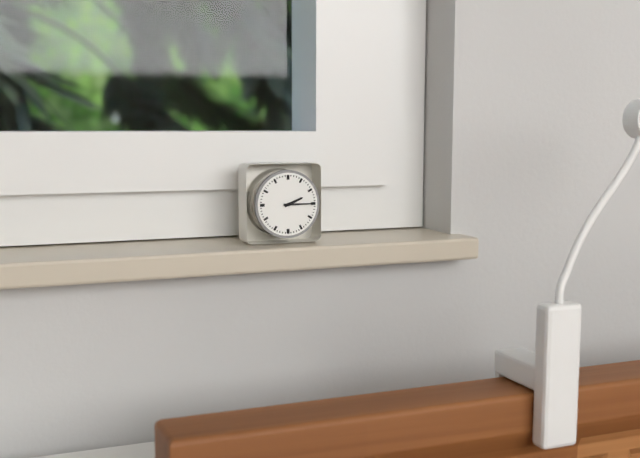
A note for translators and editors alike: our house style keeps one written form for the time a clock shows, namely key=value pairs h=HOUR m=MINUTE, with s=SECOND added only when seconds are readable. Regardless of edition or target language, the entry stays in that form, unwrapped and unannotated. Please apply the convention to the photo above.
h=2 m=15
